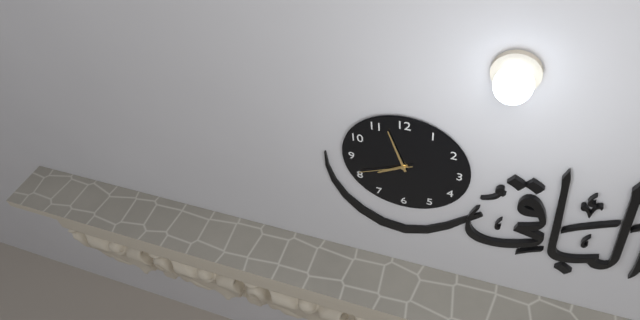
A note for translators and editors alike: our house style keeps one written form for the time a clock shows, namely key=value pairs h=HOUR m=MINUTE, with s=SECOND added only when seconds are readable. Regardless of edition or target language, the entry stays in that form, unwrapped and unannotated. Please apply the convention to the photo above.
h=7 m=57 s=41
